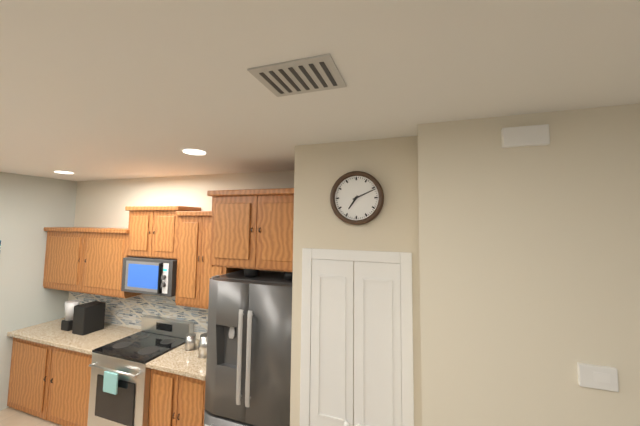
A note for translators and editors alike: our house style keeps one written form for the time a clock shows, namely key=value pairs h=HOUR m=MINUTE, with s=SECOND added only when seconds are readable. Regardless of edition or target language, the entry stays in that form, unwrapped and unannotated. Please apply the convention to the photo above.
h=7 m=11
